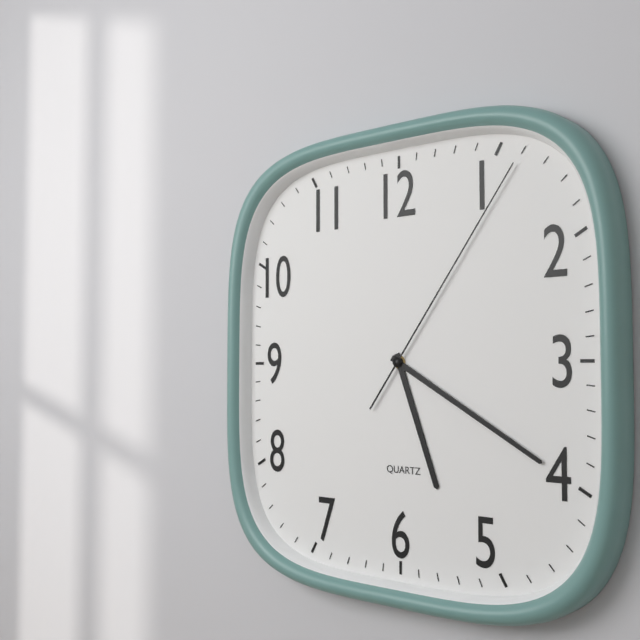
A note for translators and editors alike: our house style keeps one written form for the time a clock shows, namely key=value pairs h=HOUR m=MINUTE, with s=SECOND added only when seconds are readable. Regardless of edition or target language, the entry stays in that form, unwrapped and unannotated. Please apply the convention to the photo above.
h=5 m=20 s=6
